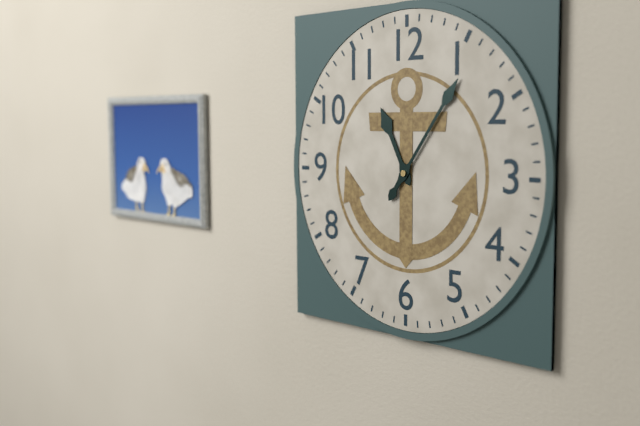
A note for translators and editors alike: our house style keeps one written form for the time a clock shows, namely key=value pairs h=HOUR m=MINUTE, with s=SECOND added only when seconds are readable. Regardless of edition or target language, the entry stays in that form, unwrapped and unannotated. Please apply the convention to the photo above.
h=11 m=6
